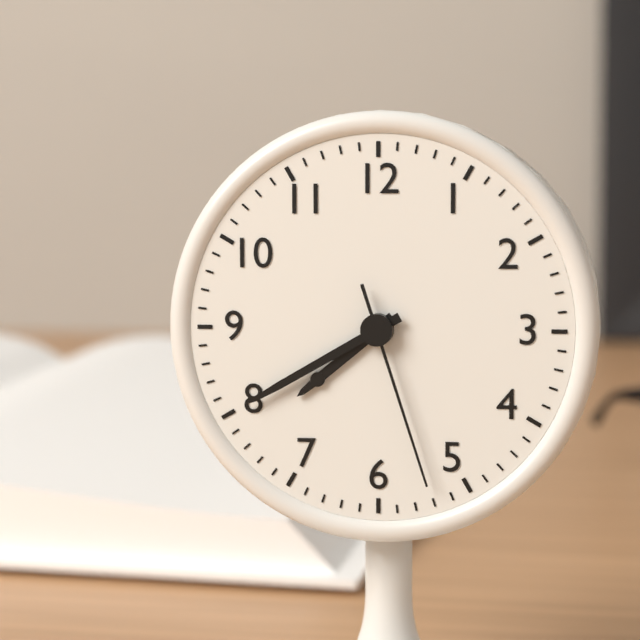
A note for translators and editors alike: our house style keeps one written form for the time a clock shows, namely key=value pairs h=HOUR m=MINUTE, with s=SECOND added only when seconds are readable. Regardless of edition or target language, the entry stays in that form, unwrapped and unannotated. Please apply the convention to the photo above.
h=7 m=40 s=27
